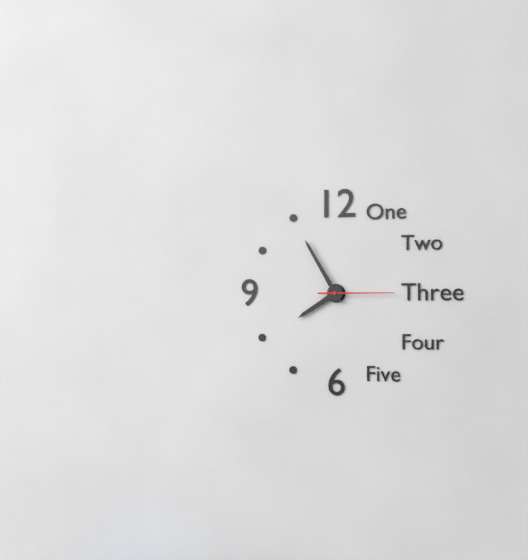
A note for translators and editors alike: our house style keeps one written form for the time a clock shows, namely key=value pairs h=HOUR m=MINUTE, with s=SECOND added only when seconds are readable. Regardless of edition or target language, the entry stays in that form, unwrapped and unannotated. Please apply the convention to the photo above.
h=7 m=55 s=15
